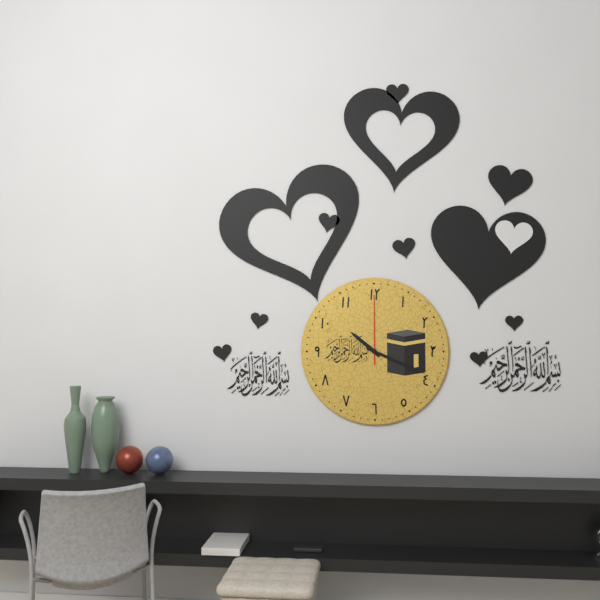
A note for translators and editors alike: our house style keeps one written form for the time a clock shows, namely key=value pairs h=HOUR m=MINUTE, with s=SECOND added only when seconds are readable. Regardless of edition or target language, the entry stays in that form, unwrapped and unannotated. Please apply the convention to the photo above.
h=10 m=19 s=0
